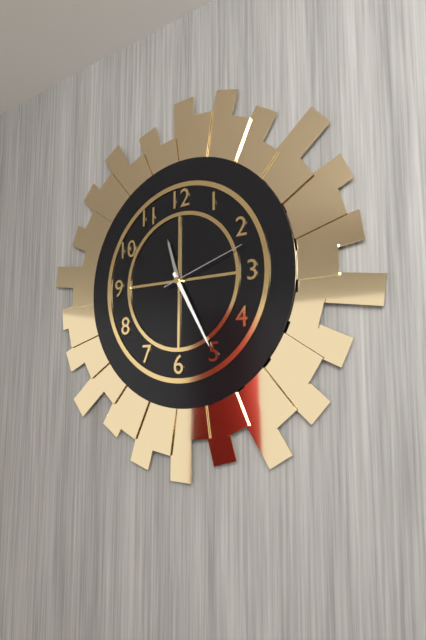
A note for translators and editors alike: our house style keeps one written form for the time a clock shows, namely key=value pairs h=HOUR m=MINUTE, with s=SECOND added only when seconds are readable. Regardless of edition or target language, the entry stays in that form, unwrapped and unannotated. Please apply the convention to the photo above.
h=11 m=25 s=12
